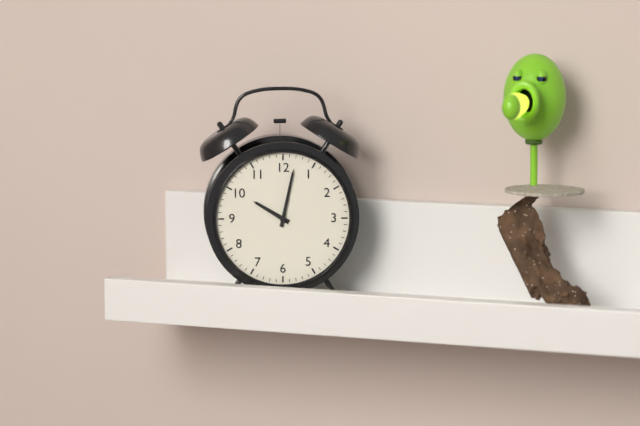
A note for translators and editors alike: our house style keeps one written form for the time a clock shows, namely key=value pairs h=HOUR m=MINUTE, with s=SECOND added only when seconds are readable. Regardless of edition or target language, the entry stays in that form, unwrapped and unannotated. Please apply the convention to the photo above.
h=10 m=2
